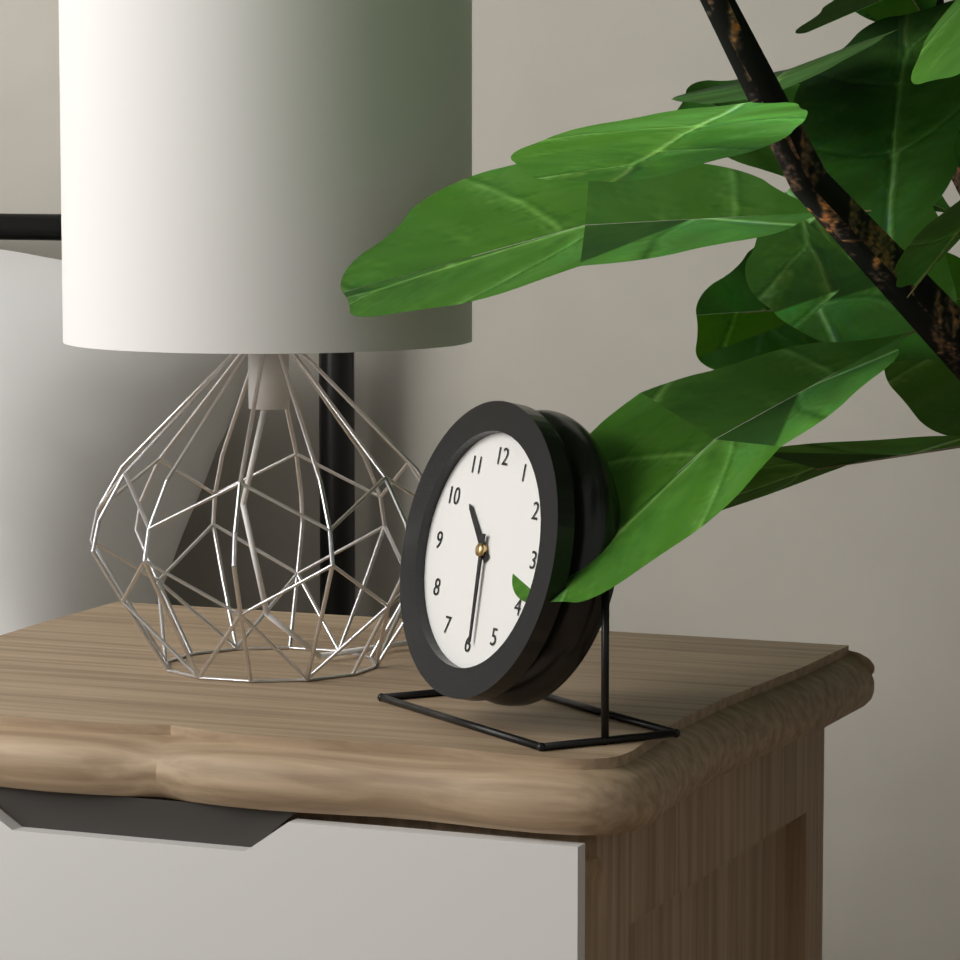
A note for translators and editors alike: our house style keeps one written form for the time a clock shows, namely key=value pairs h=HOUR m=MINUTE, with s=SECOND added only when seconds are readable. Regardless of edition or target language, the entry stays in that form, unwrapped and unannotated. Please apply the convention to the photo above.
h=10 m=29
